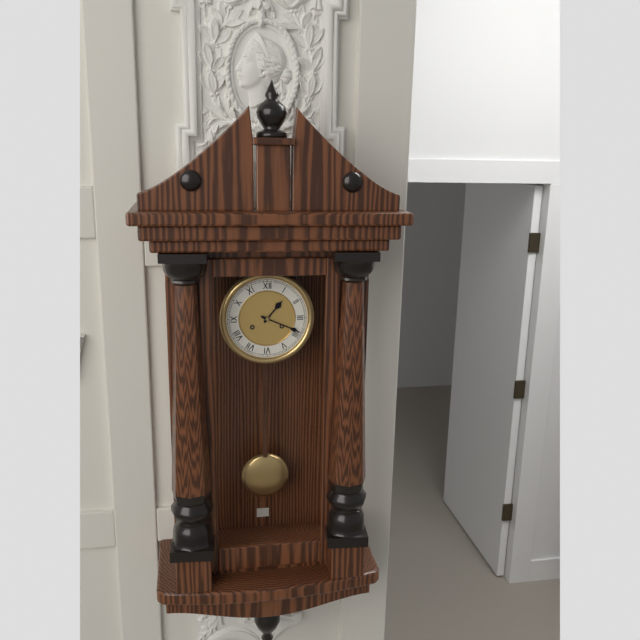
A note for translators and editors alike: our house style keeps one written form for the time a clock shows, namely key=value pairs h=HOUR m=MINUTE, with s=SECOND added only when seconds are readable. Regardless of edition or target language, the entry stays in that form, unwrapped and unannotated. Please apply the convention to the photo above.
h=1 m=19
